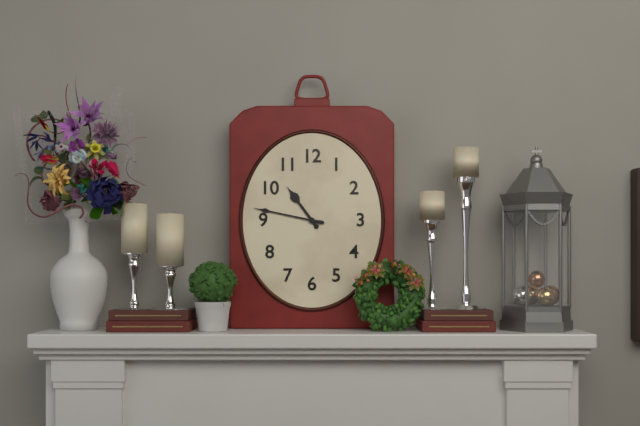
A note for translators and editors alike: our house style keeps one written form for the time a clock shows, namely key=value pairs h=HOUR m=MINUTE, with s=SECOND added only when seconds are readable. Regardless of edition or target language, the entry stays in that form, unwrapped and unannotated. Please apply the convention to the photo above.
h=10 m=47
